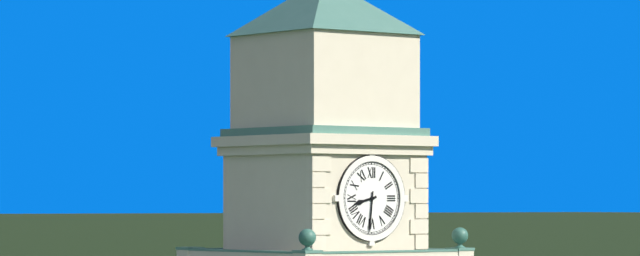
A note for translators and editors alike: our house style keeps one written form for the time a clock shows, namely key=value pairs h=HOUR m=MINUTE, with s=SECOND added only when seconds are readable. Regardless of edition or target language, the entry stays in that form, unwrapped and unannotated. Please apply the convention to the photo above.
h=8 m=31
